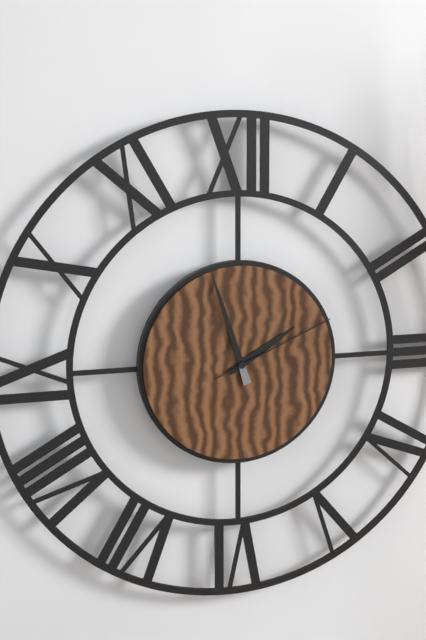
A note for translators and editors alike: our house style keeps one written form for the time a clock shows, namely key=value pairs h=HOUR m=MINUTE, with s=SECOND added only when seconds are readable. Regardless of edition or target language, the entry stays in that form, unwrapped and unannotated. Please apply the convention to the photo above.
h=1 m=57 s=11
